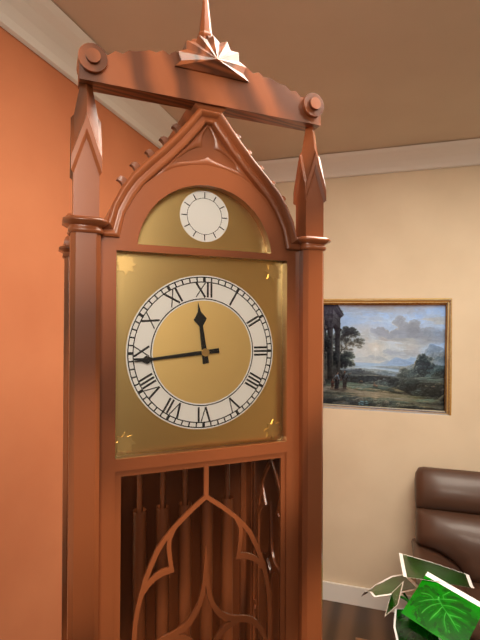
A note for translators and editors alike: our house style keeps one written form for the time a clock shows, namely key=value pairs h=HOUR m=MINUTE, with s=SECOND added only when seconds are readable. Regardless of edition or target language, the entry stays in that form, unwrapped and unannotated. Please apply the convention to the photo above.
h=11 m=44
